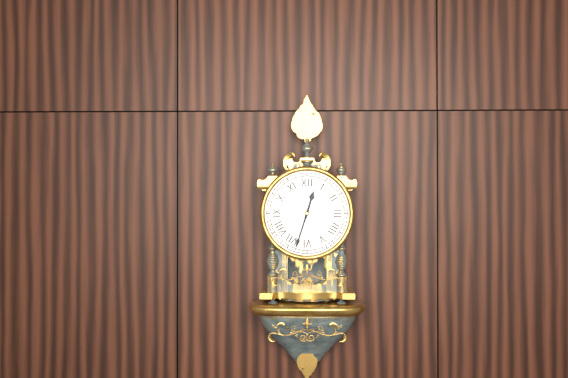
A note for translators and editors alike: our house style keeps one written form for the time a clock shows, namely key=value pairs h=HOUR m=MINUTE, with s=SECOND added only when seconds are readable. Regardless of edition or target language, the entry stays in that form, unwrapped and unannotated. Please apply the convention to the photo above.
h=12 m=33
